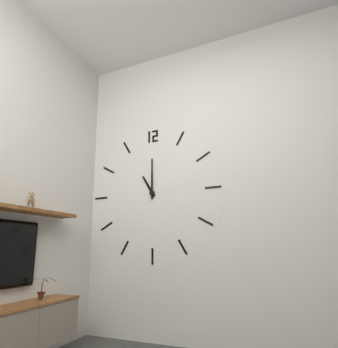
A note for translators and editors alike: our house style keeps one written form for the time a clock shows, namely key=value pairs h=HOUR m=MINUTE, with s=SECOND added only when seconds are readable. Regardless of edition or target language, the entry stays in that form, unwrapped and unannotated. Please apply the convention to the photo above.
h=11 m=0
